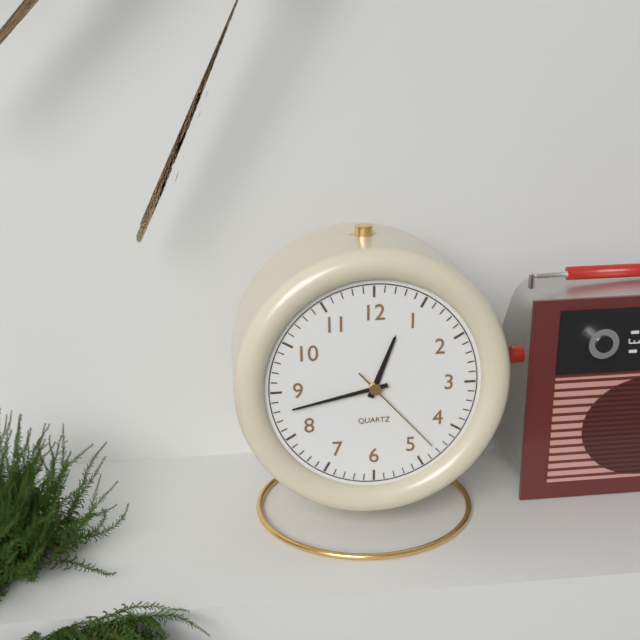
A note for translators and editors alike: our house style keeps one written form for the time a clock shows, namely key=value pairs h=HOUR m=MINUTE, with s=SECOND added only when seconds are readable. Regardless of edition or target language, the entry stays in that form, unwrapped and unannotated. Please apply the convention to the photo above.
h=12 m=43 s=23
